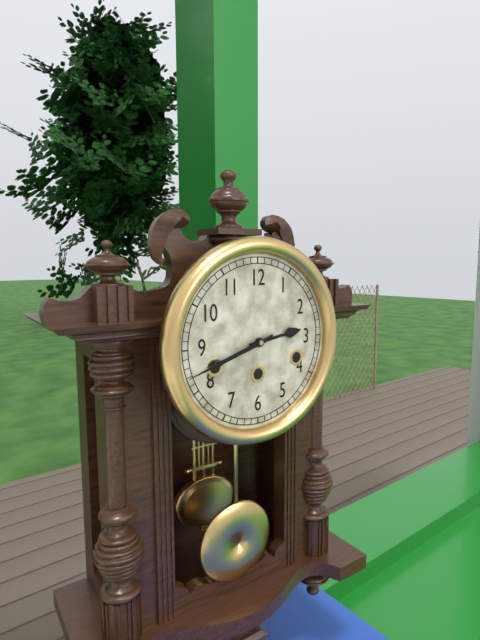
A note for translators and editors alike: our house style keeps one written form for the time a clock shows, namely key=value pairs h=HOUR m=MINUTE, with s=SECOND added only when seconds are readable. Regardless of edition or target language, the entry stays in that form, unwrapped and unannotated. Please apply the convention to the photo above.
h=2 m=42
